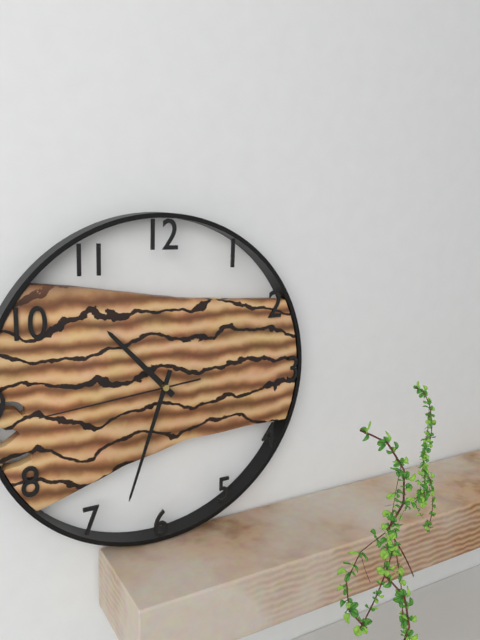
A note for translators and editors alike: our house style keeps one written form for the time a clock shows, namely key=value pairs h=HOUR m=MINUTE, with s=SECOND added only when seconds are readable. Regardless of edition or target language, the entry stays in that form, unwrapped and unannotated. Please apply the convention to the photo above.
h=10 m=33 s=44
